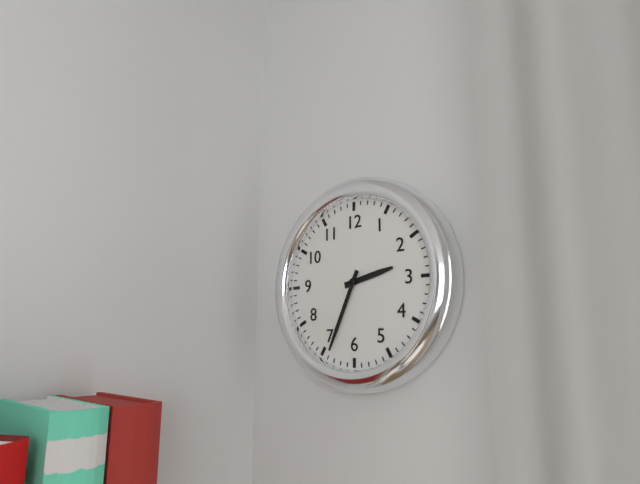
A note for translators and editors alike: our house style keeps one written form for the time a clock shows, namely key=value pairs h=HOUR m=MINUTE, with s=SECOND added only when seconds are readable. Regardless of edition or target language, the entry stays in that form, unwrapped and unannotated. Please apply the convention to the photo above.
h=2 m=34
